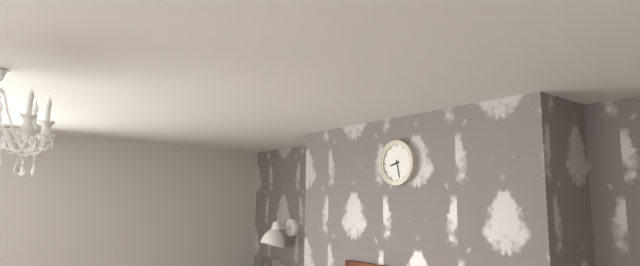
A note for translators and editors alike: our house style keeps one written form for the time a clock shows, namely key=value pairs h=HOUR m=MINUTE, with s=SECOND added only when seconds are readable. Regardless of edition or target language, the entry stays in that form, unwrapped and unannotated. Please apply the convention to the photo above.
h=8 m=28
